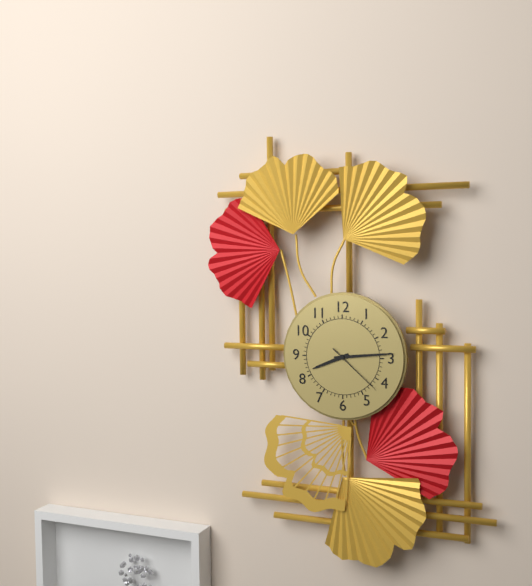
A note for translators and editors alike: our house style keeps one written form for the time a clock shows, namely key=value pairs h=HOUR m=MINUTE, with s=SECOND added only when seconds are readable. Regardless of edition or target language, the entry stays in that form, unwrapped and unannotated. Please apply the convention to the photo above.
h=8 m=14 s=22
